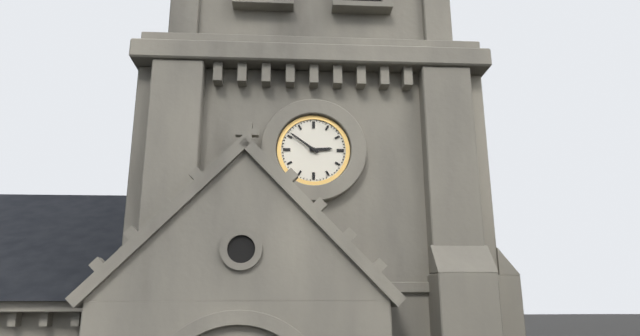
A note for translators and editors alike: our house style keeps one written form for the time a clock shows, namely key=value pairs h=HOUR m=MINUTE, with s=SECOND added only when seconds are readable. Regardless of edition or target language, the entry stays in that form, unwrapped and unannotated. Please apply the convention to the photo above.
h=2 m=51
